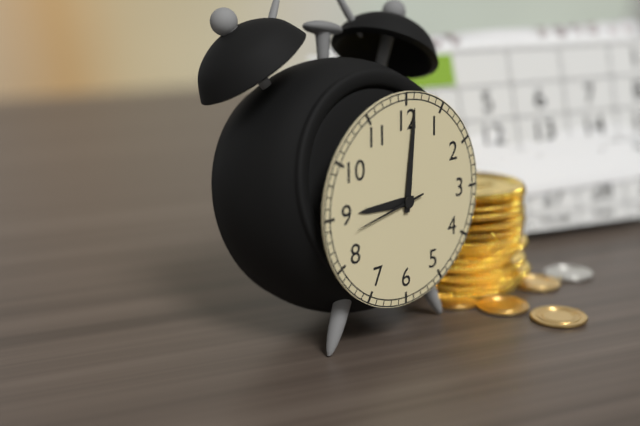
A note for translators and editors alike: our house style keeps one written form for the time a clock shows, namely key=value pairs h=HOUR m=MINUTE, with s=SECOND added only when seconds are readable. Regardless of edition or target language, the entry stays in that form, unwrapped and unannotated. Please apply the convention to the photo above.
h=9 m=1 s=43
